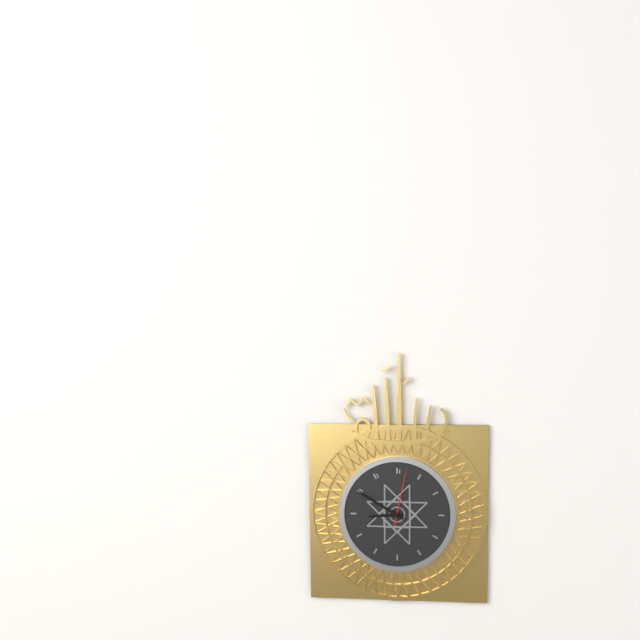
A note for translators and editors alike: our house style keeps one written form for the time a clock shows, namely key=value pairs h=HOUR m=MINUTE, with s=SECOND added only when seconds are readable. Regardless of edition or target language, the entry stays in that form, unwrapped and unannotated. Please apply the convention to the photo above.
h=8 m=50 s=2
